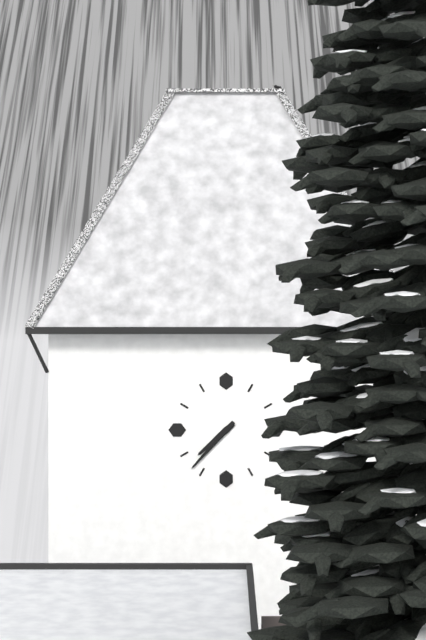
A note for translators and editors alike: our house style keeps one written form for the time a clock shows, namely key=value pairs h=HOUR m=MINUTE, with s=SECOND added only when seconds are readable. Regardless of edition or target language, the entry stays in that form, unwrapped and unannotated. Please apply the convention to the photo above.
h=7 m=37
